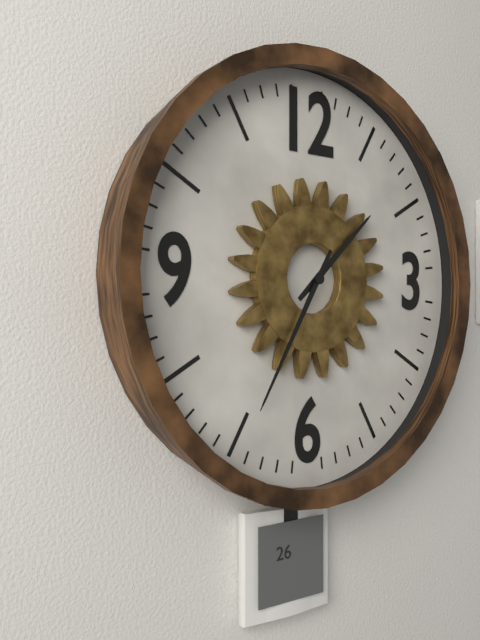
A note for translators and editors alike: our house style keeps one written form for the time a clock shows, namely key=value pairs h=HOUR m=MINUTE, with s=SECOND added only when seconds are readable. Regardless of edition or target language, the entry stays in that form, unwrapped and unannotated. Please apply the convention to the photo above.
h=1 m=35
